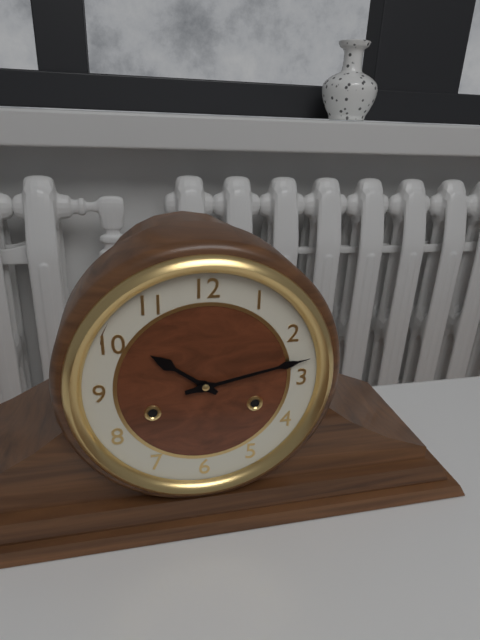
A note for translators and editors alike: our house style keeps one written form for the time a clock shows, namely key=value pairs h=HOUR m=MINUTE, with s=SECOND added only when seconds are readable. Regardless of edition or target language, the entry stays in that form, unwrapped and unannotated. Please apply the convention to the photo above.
h=10 m=13
